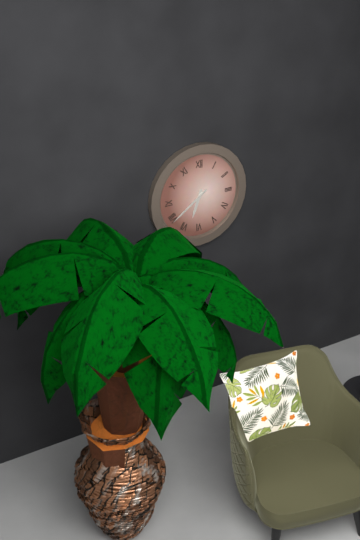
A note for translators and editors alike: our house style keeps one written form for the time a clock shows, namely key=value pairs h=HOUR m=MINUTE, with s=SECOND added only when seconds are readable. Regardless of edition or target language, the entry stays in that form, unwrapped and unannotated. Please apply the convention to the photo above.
h=6 m=39
